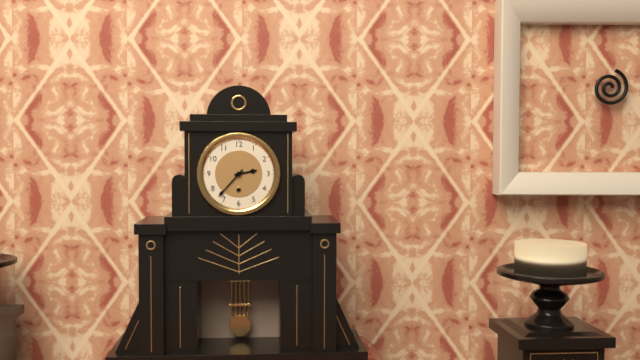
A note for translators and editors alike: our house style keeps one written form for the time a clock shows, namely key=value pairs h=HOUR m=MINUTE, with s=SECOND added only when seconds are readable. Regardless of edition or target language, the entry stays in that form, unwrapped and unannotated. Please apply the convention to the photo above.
h=2 m=37
